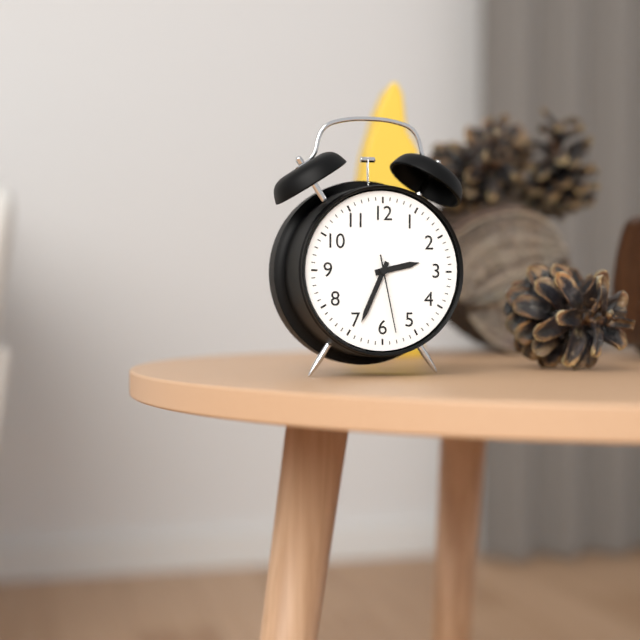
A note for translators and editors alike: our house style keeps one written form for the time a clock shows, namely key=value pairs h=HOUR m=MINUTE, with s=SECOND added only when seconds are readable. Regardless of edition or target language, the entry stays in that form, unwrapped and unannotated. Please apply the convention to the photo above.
h=2 m=34 s=28
